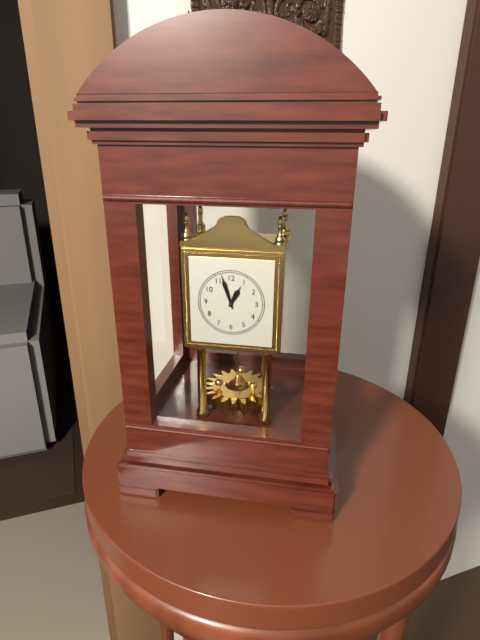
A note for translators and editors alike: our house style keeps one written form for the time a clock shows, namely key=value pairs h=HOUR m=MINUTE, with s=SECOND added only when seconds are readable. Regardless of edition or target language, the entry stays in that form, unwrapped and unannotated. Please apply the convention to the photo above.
h=12 m=57
